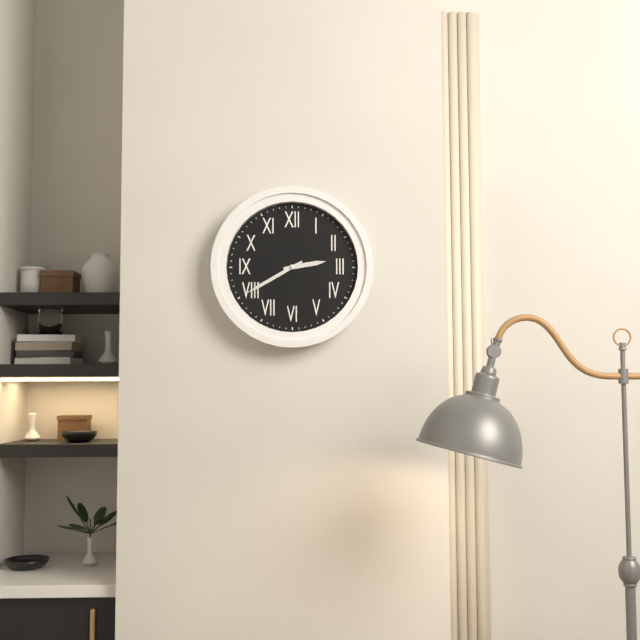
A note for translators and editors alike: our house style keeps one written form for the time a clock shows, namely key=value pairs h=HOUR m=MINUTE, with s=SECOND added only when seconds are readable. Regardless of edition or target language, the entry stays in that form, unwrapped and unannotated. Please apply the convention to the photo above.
h=2 m=40
